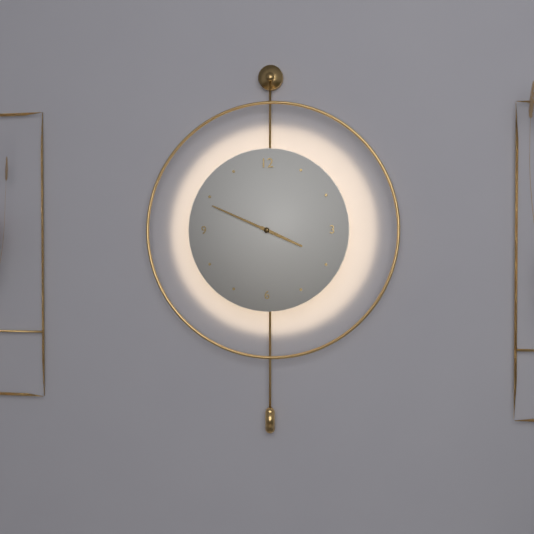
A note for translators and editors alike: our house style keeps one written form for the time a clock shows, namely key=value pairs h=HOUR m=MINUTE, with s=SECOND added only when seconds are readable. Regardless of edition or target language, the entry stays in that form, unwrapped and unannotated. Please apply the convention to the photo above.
h=3 m=49
